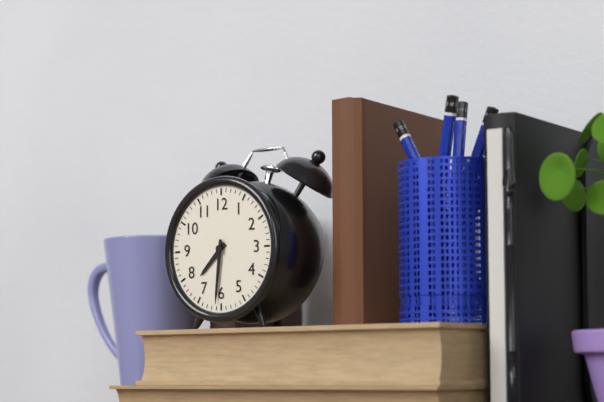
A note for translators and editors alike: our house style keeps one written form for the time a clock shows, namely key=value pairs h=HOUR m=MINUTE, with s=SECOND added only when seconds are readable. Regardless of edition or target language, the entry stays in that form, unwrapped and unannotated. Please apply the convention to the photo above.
h=7 m=31
